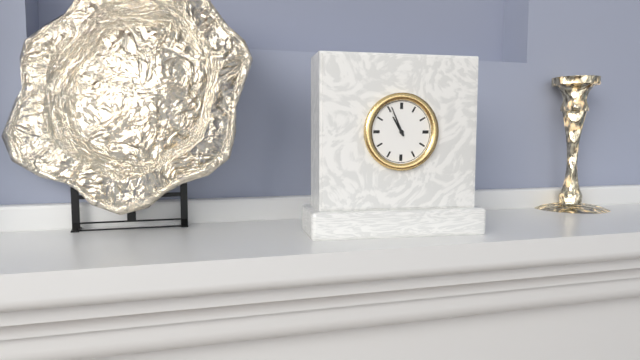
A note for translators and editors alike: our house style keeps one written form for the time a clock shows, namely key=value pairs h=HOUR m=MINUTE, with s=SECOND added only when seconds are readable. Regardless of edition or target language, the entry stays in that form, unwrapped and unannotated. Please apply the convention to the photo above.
h=10 m=56
